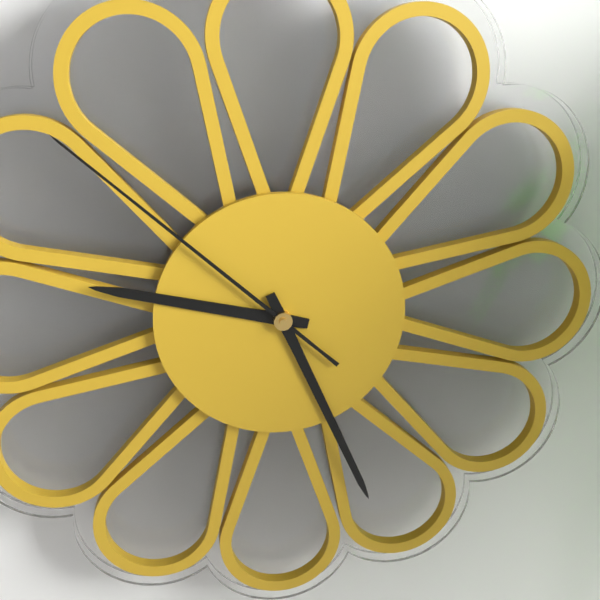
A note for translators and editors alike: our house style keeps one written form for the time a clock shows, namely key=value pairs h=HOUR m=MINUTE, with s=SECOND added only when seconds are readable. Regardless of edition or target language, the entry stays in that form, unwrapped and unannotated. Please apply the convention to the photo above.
h=9 m=26 s=52
